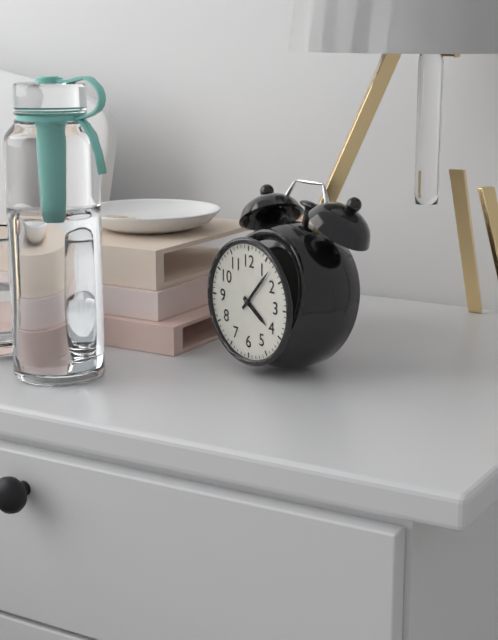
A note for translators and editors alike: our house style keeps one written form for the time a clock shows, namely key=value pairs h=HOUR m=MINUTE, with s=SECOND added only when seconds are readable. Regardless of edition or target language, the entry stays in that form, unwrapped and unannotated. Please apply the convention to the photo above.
h=4 m=7
